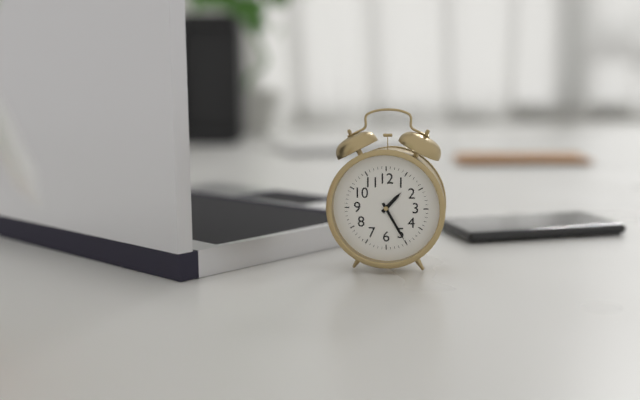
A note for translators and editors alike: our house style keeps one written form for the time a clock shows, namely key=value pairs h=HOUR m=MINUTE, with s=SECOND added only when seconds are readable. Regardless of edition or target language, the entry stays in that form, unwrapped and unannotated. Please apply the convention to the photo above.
h=1 m=25
